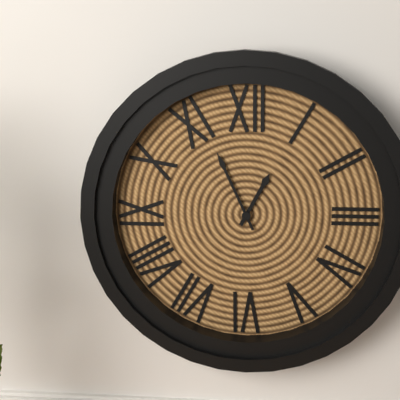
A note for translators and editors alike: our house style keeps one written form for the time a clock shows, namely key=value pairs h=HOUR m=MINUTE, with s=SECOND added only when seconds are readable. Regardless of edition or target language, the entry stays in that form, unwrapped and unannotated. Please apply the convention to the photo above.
h=12 m=56
